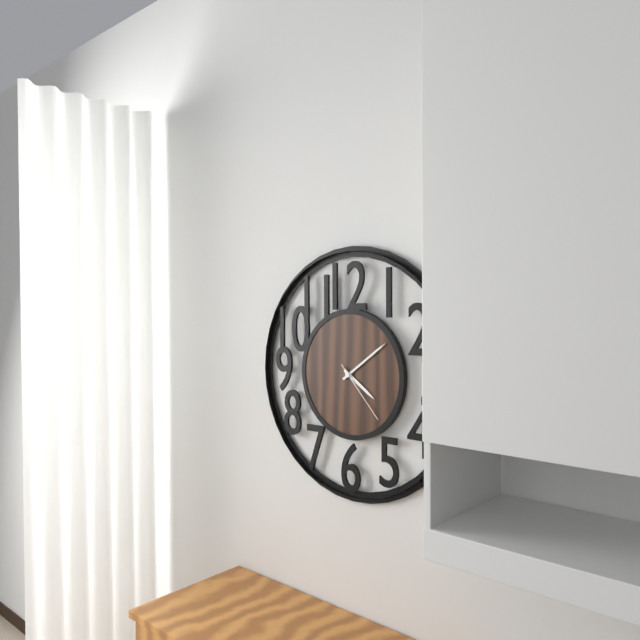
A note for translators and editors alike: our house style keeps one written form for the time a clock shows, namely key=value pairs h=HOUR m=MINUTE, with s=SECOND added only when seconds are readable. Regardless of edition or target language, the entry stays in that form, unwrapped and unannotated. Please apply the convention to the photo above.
h=4 m=9 s=23
